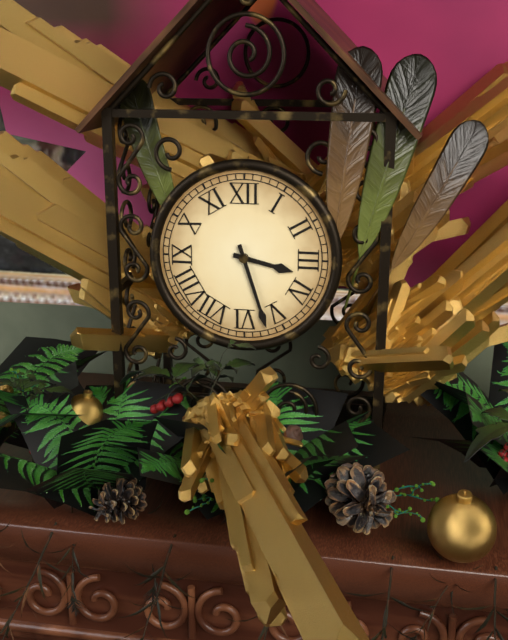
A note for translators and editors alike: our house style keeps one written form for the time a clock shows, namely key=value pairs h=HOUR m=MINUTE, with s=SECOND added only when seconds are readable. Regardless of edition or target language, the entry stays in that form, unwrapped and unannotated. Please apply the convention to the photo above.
h=3 m=27
